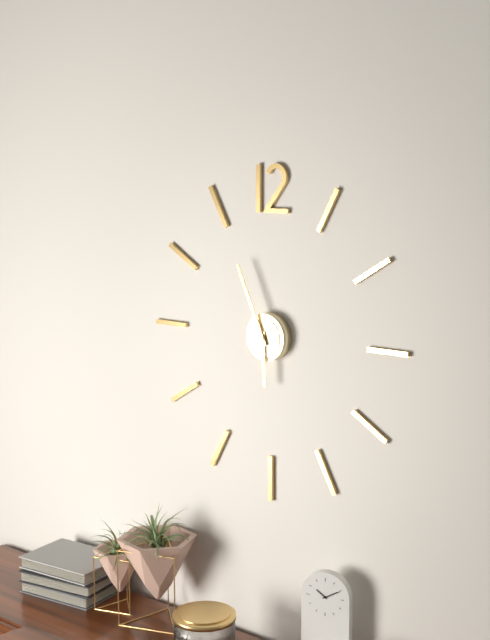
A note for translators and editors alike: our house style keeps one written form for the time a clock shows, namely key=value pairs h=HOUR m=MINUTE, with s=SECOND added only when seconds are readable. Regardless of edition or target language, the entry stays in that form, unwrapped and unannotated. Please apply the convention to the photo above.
h=5 m=56
